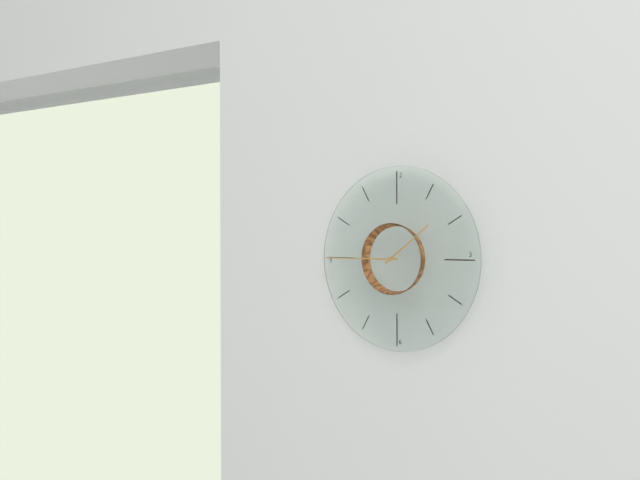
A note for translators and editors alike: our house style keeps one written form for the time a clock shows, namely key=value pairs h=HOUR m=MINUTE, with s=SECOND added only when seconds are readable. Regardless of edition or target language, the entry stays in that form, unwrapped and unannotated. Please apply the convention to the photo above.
h=1 m=45
